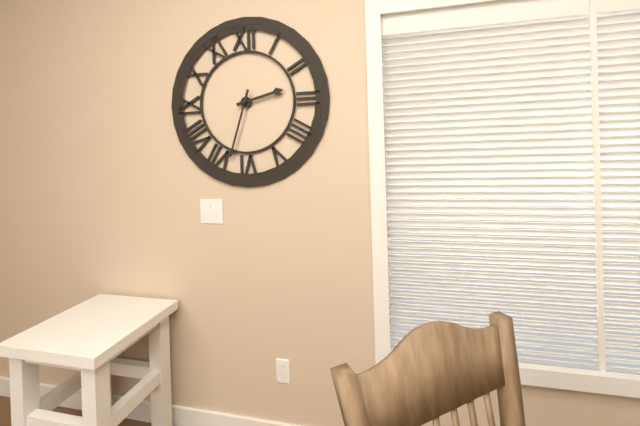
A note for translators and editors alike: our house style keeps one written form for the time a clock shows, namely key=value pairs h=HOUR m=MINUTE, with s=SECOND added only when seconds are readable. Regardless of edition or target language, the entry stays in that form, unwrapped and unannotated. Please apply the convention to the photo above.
h=2 m=33
